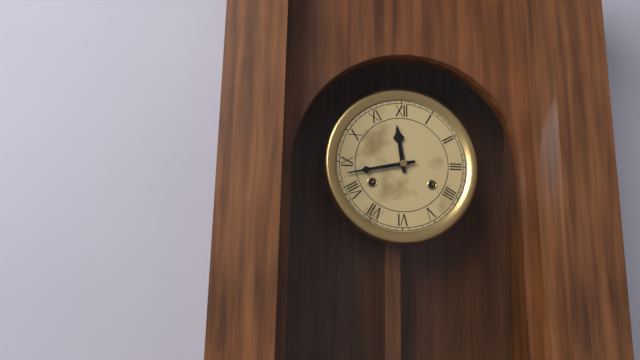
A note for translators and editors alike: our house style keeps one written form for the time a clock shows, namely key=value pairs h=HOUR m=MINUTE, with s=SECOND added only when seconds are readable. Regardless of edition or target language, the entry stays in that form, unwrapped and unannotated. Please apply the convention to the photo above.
h=11 m=43
